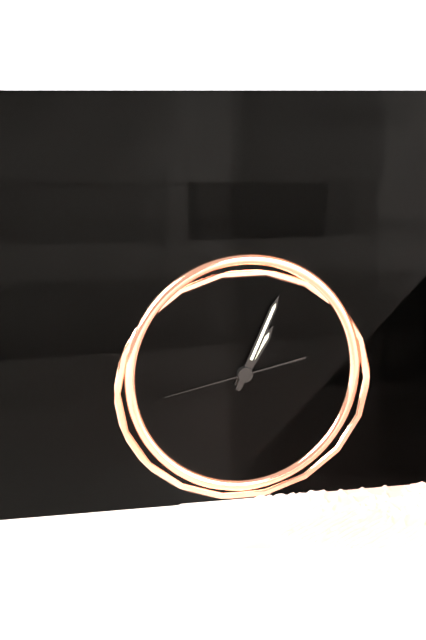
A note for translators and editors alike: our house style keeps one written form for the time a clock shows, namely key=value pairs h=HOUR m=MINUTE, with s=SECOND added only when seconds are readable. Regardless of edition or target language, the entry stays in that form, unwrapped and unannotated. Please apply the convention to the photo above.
h=1 m=4 s=43
